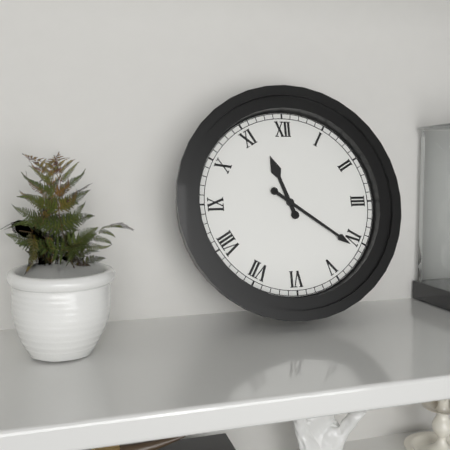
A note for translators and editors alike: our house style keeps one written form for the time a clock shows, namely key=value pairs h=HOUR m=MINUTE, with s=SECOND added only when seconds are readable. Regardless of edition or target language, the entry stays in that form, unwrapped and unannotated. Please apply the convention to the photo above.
h=11 m=21
